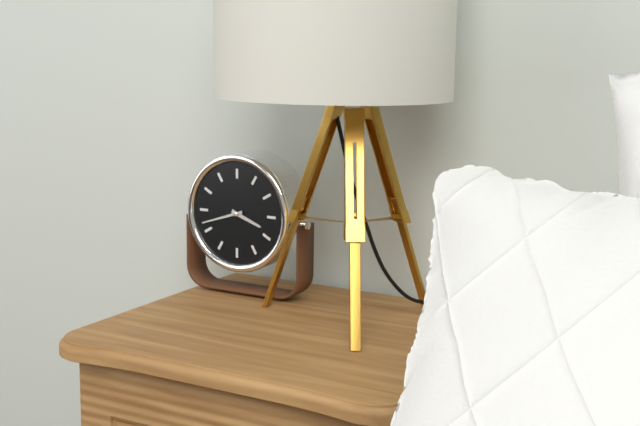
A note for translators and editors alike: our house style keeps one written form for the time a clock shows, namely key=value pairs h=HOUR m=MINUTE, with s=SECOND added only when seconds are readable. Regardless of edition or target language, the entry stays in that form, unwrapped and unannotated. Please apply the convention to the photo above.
h=3 m=42
